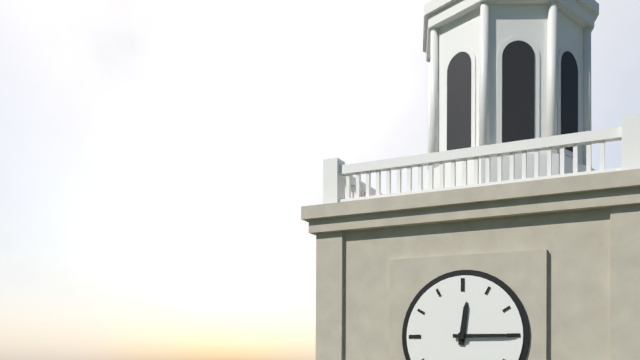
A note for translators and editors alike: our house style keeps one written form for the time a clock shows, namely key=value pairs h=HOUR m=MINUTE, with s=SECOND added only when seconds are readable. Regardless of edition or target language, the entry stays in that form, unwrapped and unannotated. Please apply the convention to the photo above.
h=12 m=15
